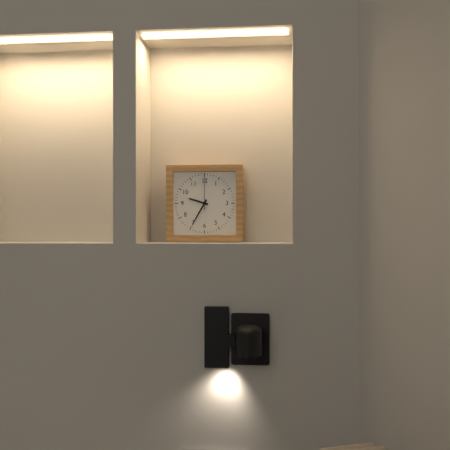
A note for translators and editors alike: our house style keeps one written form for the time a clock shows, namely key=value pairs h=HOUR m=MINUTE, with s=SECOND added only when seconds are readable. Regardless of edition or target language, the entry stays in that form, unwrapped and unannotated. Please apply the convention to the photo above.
h=9 m=35
